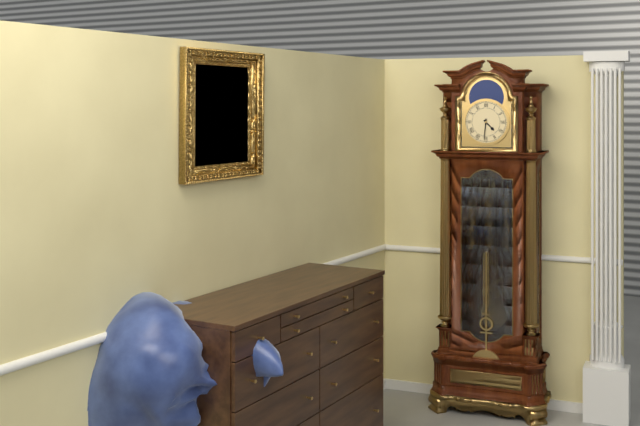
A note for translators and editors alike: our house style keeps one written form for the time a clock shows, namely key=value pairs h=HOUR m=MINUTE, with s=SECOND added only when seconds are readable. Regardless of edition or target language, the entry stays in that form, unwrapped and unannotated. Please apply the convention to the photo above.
h=4 m=31
